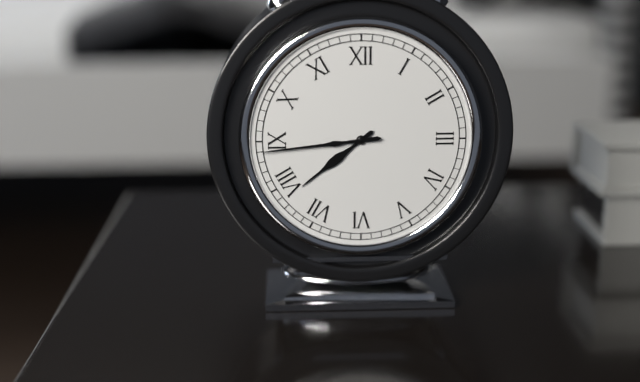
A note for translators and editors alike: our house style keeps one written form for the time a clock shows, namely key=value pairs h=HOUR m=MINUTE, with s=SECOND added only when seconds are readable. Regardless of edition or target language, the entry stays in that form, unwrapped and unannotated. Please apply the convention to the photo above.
h=7 m=44
